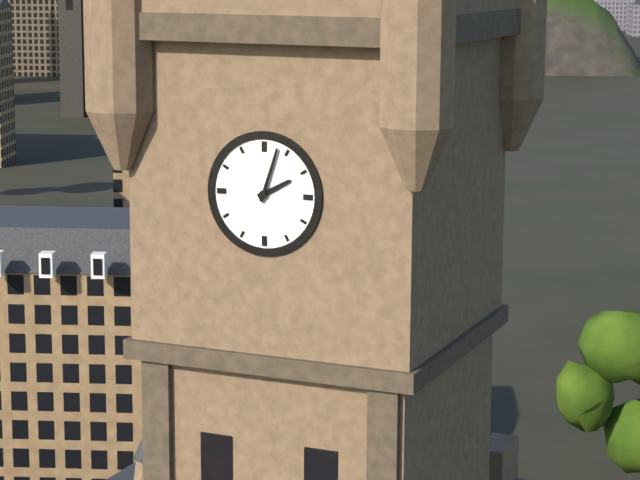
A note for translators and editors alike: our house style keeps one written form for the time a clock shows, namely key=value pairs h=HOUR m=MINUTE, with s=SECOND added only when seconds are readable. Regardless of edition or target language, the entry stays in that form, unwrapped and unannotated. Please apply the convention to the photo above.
h=2 m=3
